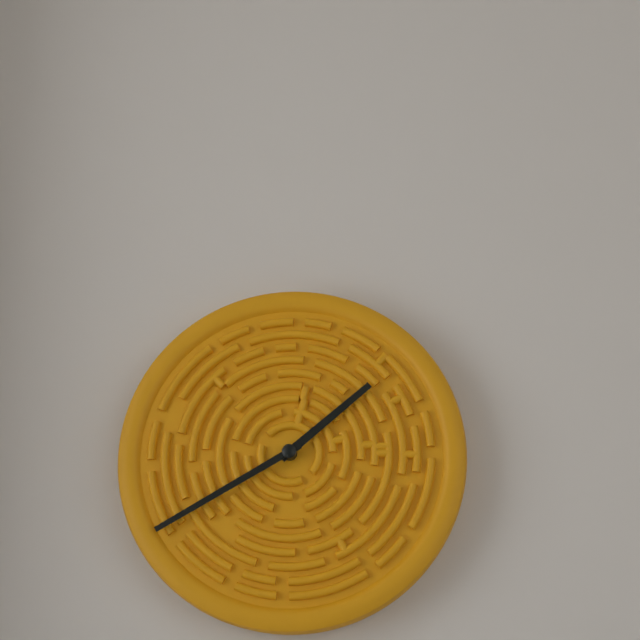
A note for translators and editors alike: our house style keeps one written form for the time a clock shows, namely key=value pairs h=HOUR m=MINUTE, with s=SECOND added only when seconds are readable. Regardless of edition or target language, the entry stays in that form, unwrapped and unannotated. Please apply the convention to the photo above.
h=1 m=40
